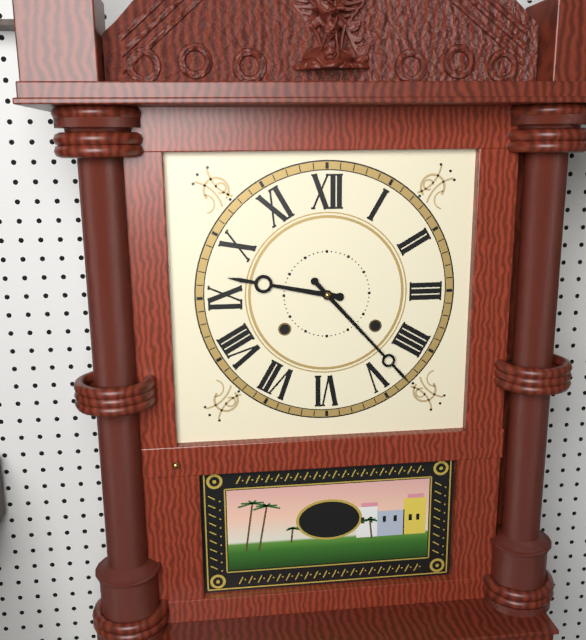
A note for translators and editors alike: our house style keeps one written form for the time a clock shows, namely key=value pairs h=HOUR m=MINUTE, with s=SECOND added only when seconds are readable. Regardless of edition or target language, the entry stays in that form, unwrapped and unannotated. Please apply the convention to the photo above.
h=9 m=23
